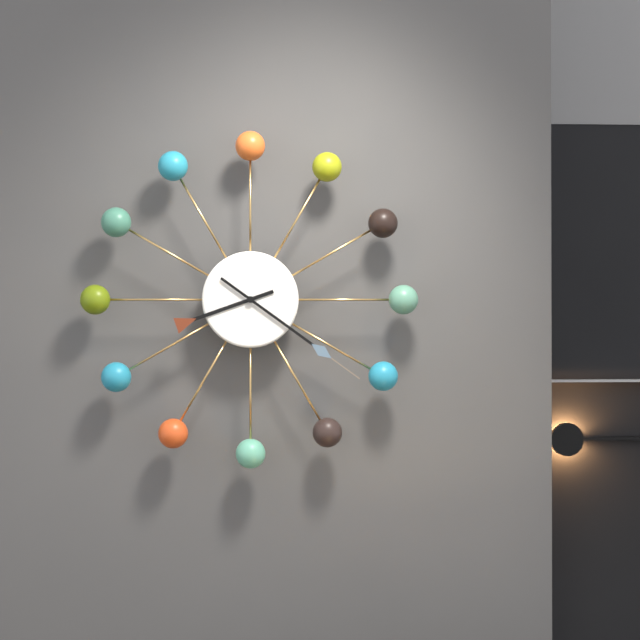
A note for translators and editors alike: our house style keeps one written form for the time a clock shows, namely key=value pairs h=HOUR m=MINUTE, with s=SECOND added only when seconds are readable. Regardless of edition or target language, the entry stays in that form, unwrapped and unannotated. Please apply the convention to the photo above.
h=8 m=21
